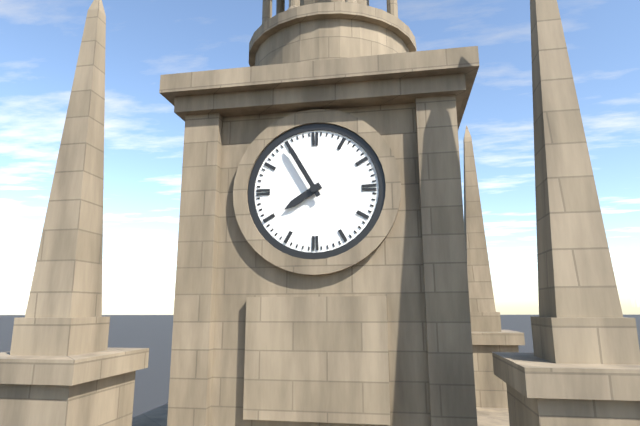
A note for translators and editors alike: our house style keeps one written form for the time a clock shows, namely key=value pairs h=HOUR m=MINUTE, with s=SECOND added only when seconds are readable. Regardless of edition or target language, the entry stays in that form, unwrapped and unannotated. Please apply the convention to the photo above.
h=7 m=55
